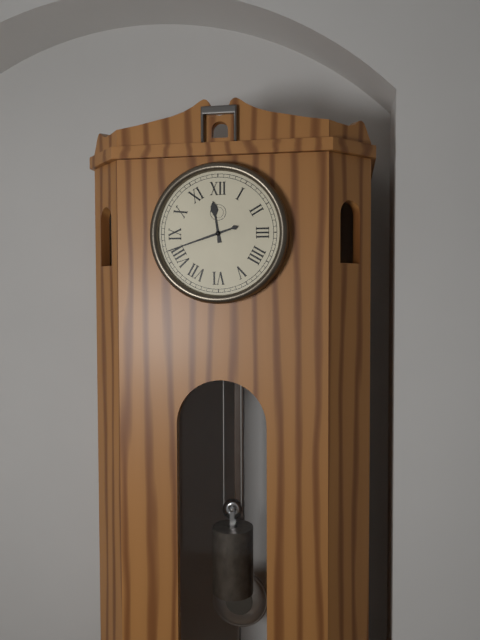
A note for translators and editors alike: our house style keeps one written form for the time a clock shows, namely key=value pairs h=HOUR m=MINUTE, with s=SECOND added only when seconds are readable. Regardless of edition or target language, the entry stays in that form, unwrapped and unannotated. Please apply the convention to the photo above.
h=11 m=42
